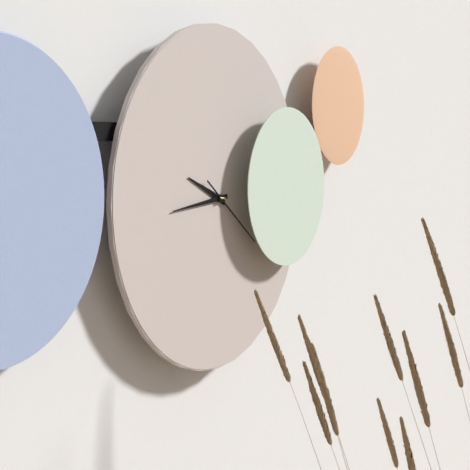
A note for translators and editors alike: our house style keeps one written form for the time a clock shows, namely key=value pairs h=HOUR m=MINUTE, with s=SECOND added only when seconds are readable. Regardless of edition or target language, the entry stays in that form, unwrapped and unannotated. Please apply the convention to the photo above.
h=9 m=44 s=21
